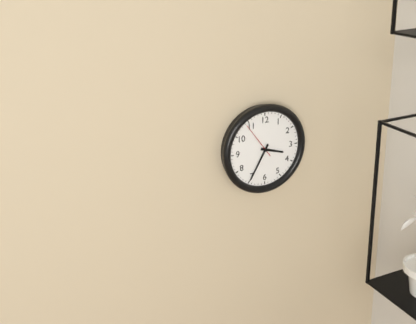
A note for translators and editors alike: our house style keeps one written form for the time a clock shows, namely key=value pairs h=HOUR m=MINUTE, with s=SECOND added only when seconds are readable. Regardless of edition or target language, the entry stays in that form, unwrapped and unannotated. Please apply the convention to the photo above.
h=3 m=35
